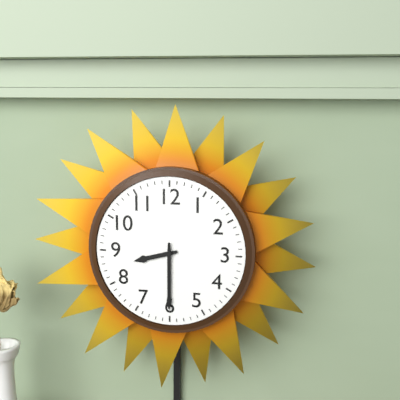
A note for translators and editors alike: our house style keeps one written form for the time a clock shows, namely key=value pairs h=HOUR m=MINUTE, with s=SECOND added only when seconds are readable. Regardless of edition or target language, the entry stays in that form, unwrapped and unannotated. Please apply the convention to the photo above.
h=8 m=30
